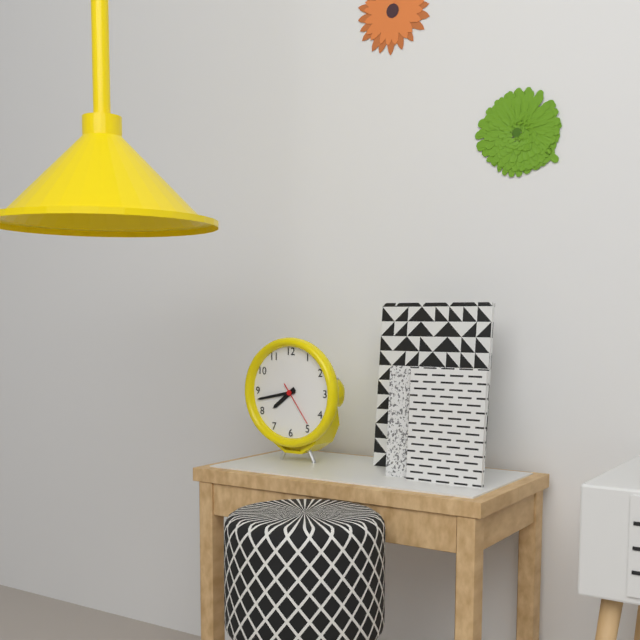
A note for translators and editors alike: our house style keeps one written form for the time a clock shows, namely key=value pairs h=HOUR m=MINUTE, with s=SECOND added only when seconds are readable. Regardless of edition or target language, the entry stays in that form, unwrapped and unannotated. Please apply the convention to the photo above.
h=7 m=43
